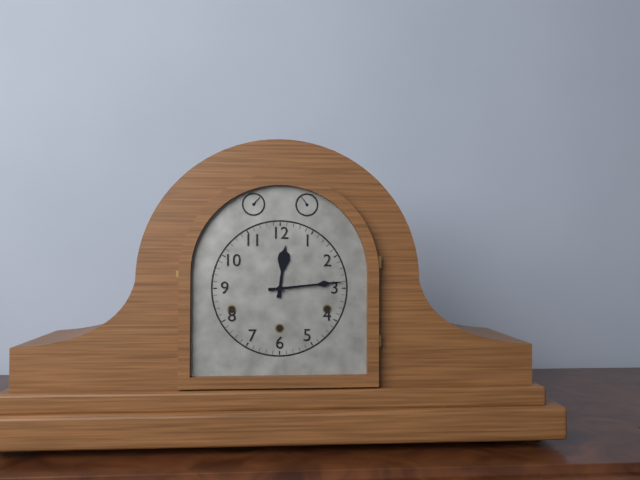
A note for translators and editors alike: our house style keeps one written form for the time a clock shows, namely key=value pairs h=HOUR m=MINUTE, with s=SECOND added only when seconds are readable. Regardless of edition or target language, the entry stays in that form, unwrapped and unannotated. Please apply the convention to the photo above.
h=12 m=14
